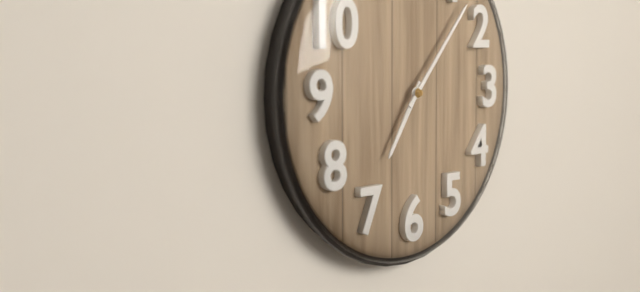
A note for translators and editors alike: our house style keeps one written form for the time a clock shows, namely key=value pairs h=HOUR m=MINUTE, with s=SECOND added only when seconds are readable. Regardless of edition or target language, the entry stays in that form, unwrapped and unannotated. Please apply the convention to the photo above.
h=7 m=7
